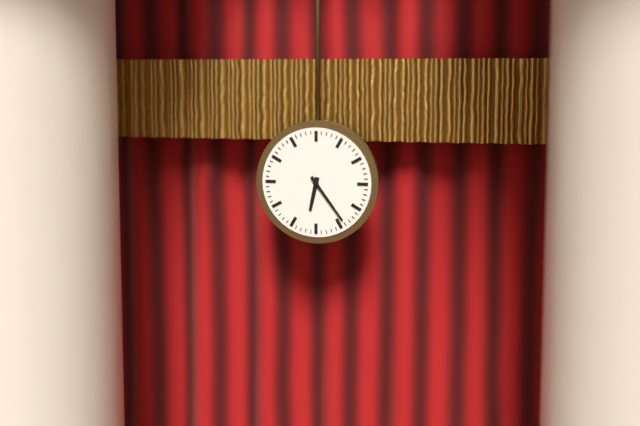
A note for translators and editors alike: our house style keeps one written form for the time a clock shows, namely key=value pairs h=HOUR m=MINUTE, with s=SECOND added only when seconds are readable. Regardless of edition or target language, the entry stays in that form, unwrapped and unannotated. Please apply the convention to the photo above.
h=6 m=24
